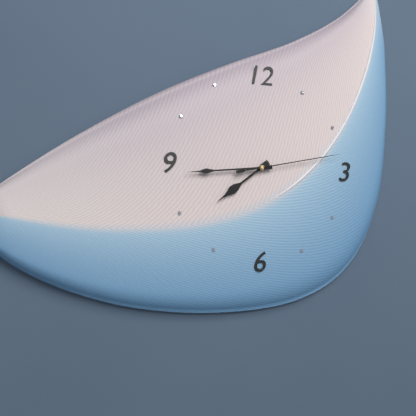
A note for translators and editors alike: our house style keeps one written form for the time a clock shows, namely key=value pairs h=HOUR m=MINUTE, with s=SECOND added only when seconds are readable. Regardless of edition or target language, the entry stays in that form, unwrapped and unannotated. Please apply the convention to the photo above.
h=7 m=44 s=13
